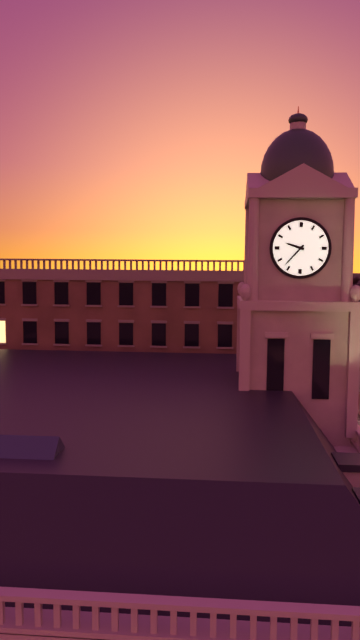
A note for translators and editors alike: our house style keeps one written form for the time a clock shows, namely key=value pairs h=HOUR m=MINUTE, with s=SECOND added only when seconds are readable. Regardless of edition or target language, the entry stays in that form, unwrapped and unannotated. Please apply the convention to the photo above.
h=9 m=37
